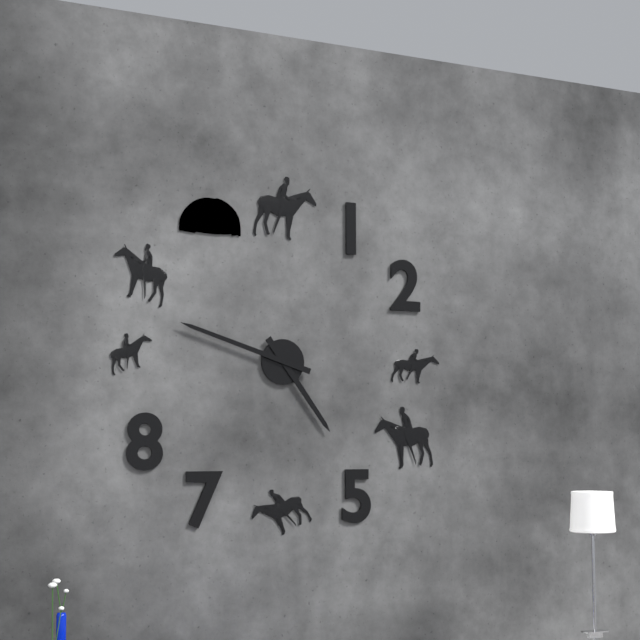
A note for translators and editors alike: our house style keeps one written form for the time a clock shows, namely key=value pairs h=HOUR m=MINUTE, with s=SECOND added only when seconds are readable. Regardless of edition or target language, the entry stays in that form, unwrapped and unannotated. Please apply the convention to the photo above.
h=4 m=48
